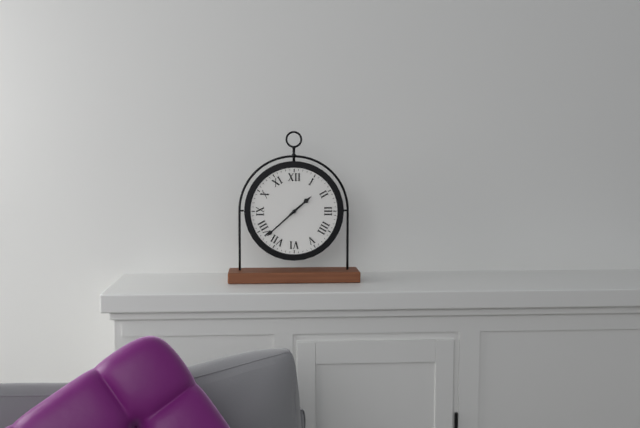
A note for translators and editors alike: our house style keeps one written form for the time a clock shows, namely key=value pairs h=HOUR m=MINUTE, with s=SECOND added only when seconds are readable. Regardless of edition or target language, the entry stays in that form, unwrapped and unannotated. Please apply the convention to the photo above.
h=1 m=38
